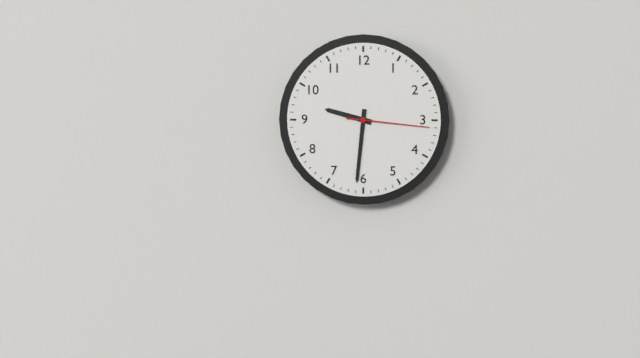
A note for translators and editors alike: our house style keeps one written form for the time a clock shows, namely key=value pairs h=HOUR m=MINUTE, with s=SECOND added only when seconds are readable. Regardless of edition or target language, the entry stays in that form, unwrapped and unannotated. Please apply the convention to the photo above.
h=9 m=31 s=16
